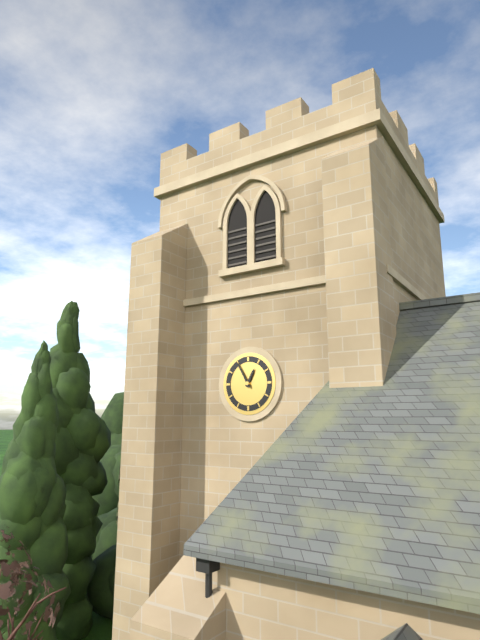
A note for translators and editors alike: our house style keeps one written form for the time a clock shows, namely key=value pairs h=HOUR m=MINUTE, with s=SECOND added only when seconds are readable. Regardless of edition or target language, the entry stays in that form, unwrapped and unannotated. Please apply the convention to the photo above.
h=12 m=55
